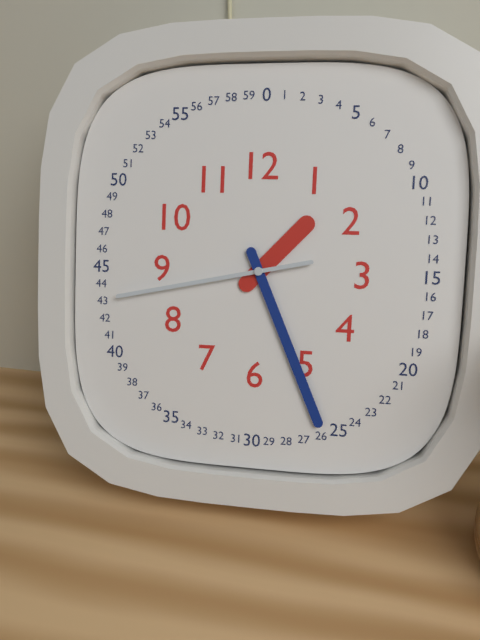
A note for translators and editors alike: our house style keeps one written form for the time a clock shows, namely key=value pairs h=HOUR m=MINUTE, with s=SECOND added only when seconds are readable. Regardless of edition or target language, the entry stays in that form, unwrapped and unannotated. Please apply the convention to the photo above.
h=1 m=26 s=43
